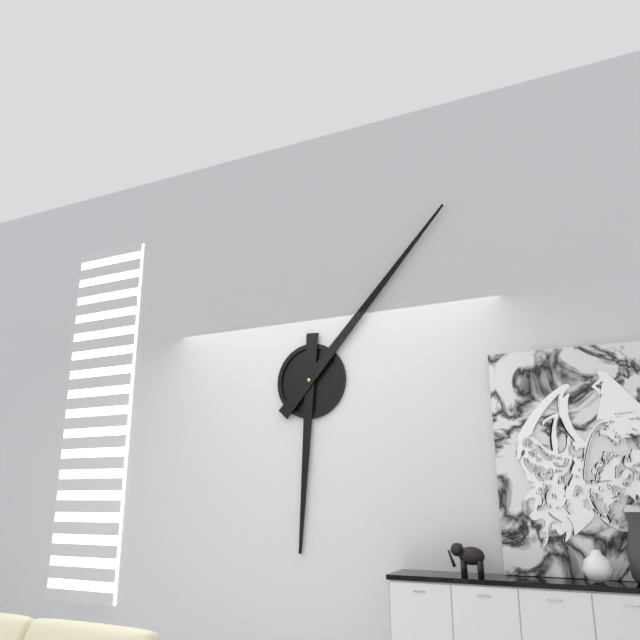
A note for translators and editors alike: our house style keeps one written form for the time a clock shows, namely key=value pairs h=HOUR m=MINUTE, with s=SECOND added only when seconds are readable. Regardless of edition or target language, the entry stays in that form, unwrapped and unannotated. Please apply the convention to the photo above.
h=6 m=7
